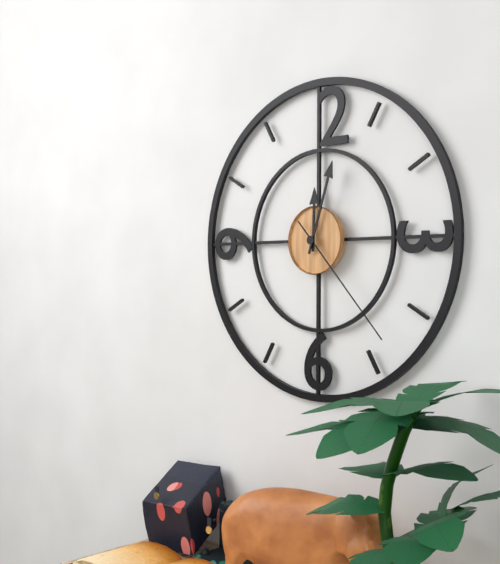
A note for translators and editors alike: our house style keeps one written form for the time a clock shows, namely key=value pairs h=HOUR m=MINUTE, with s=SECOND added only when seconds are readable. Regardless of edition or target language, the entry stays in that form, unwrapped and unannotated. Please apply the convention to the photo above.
h=12 m=3 s=23
